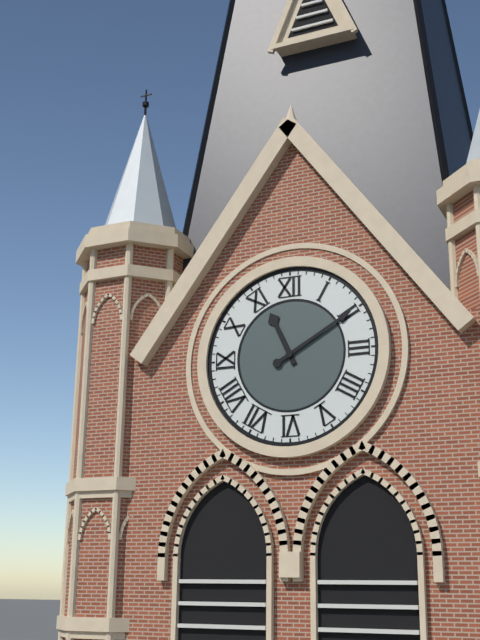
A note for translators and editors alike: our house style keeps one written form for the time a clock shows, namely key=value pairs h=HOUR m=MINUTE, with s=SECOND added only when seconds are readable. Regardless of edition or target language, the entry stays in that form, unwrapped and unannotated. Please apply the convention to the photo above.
h=11 m=10
